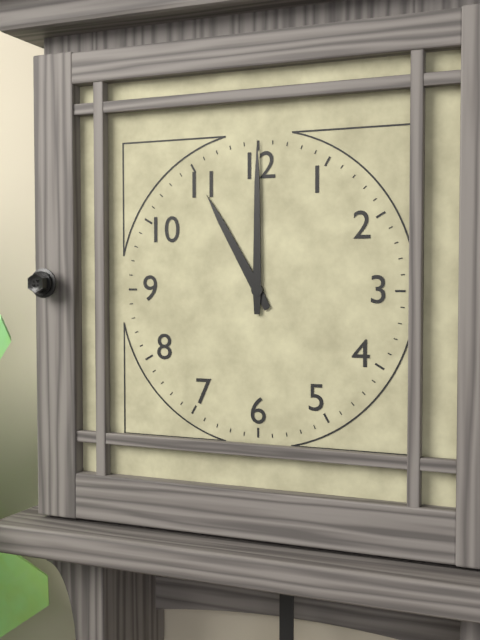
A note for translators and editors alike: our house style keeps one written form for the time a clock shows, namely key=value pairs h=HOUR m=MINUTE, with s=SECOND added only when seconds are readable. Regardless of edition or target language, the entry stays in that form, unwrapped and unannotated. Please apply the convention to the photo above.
h=11 m=0
